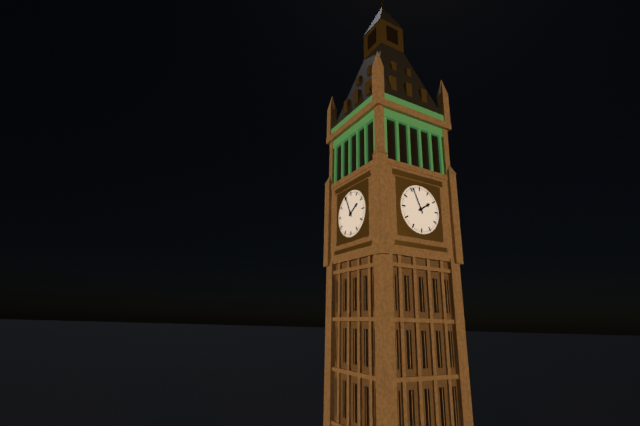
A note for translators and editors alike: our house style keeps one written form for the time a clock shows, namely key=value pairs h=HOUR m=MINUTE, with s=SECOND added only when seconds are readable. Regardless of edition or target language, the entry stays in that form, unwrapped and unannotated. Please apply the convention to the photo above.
h=1 m=56
